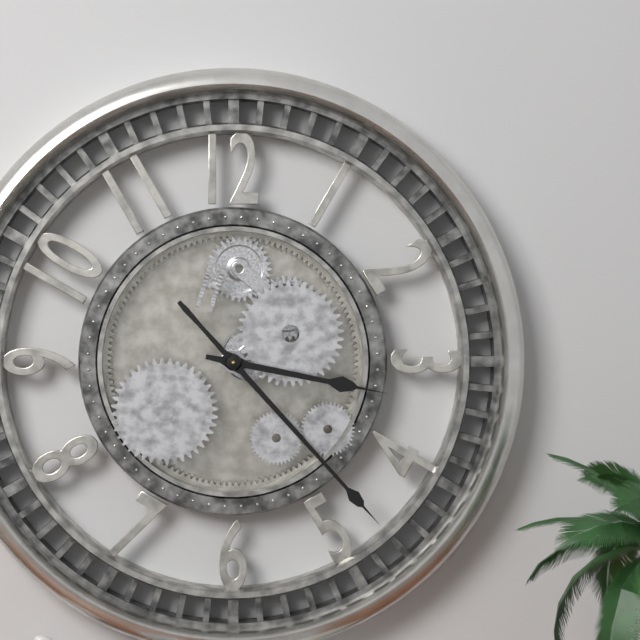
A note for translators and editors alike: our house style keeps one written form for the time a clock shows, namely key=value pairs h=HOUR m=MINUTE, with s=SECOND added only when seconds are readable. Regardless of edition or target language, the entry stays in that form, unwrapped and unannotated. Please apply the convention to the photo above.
h=3 m=23
